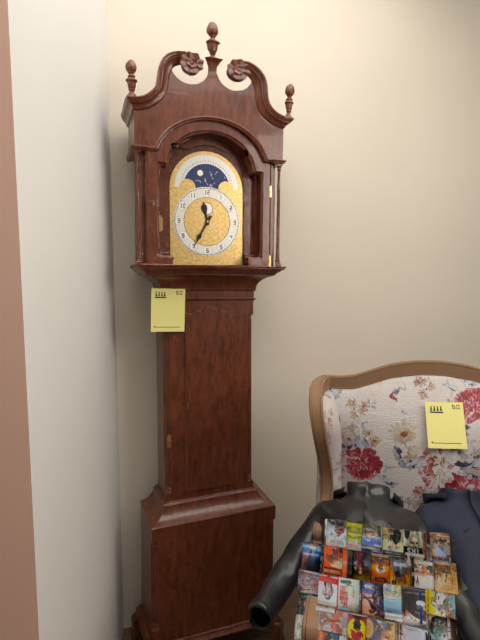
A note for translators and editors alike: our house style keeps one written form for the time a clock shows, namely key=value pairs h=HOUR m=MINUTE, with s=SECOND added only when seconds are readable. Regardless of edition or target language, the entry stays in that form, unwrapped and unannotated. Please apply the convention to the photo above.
h=11 m=35
